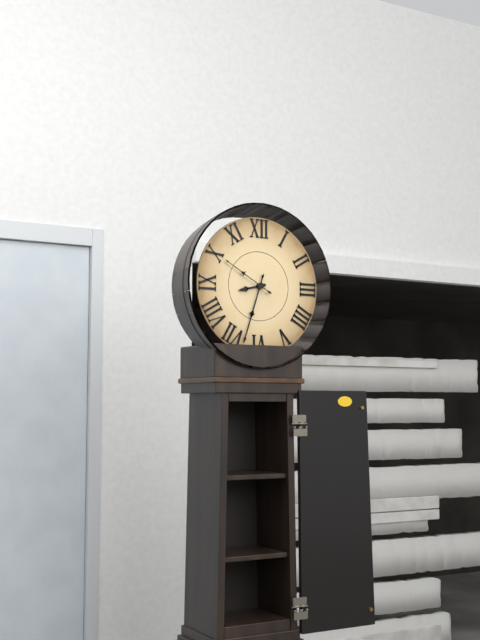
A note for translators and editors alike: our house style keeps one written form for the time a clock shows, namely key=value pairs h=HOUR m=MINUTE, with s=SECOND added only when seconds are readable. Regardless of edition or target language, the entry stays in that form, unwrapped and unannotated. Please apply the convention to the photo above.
h=8 m=33 s=50
